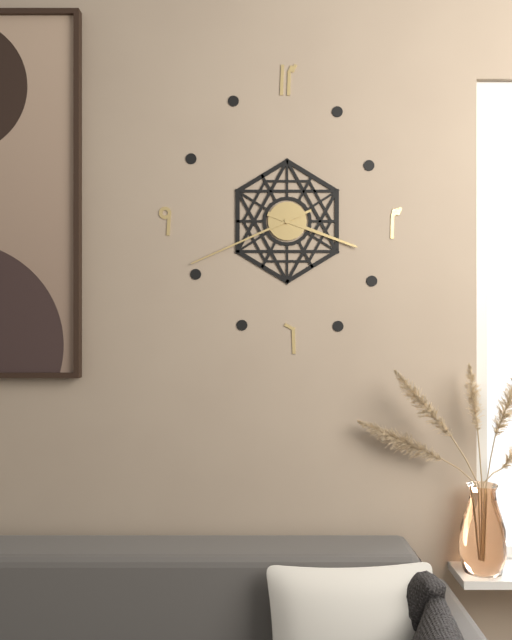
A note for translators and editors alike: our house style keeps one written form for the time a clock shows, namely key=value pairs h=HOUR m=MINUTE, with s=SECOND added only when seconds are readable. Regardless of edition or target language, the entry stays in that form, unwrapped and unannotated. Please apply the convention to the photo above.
h=3 m=41
